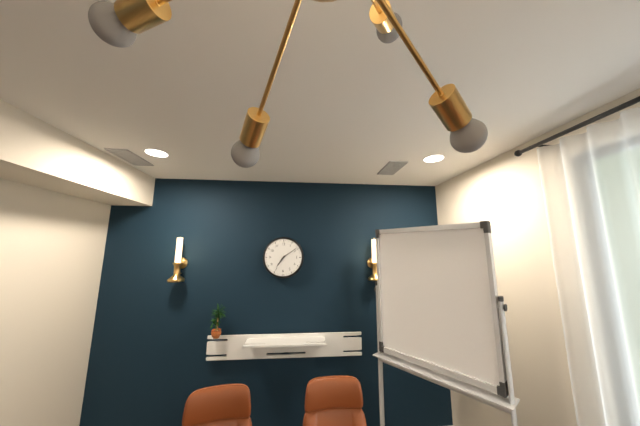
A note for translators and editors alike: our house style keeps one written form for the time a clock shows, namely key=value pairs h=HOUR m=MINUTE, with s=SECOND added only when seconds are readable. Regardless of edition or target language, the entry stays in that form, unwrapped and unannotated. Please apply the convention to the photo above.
h=7 m=9
